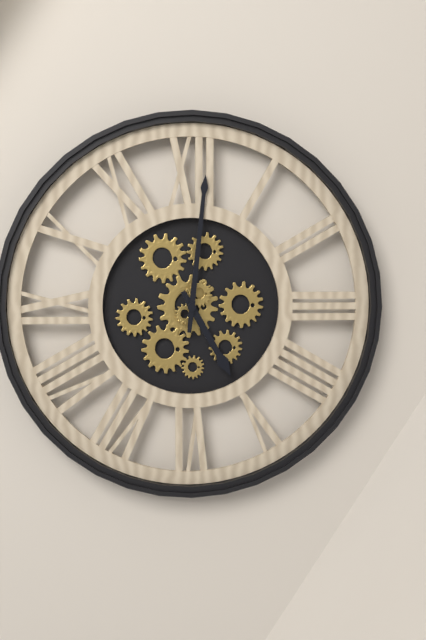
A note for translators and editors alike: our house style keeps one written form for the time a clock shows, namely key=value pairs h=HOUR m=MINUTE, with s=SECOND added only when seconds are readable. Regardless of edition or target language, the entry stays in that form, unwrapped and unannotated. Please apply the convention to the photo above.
h=5 m=1
